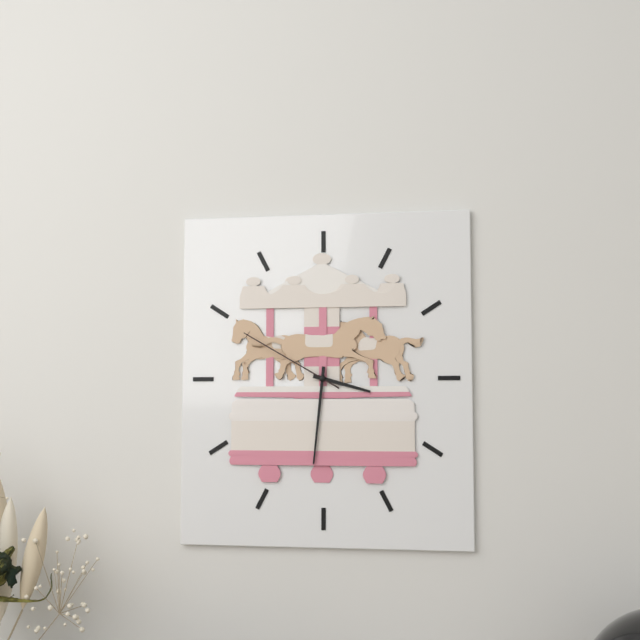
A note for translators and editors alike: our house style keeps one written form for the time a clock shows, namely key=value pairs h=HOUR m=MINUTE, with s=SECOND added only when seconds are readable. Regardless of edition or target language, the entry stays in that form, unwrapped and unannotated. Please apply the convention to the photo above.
h=3 m=31 s=50
